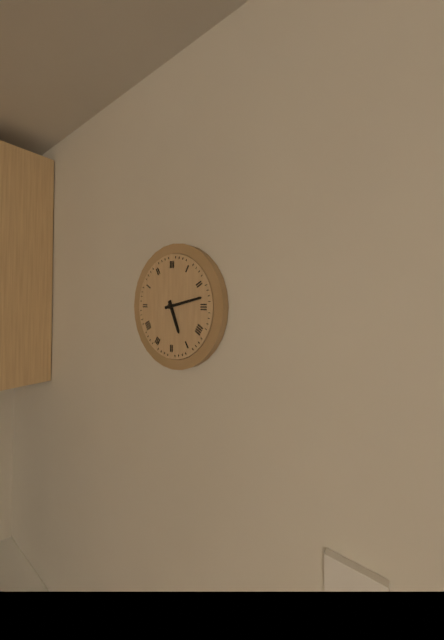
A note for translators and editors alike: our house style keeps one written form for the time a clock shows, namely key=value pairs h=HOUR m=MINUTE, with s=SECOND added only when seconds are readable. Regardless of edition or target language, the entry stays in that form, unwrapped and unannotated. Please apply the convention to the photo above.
h=5 m=13
